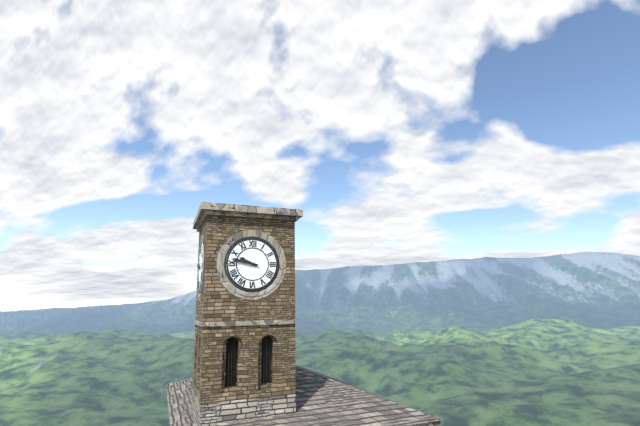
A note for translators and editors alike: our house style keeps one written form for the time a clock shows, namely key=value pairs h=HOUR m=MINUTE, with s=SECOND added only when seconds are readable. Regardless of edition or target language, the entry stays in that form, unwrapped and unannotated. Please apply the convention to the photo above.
h=9 m=47
